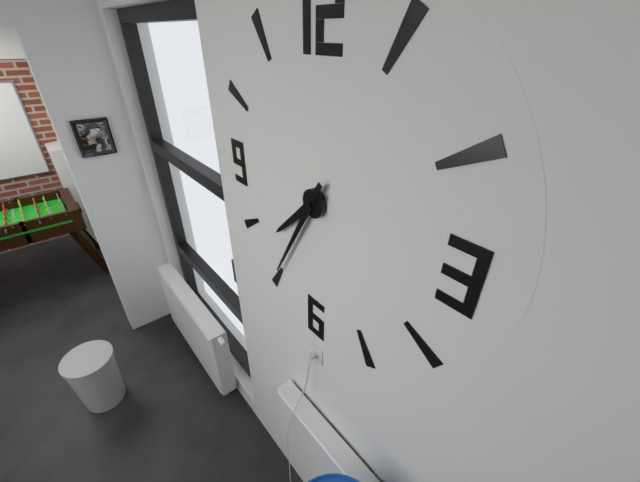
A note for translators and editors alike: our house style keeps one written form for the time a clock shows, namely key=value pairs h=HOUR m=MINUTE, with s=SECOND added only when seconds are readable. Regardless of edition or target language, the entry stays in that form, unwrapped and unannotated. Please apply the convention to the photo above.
h=7 m=35
